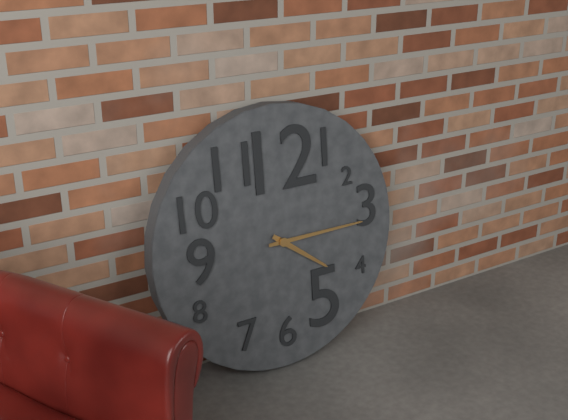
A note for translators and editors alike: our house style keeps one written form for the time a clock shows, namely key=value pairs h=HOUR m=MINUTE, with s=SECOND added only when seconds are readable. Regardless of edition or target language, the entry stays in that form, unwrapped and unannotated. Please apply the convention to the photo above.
h=4 m=15
